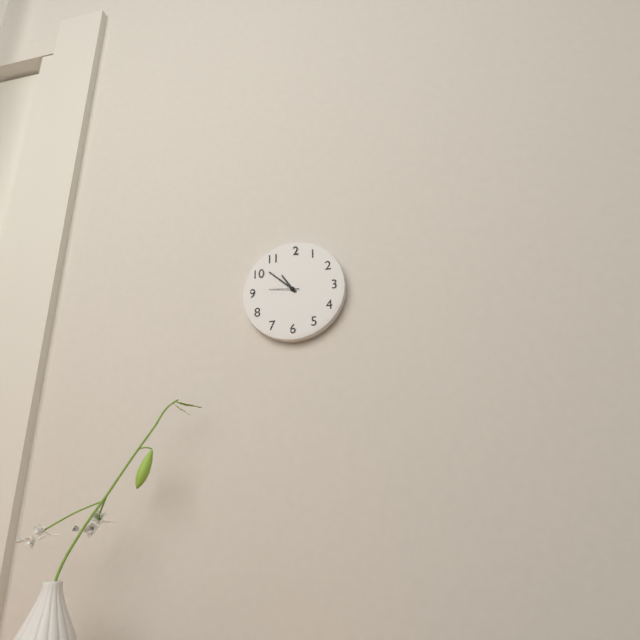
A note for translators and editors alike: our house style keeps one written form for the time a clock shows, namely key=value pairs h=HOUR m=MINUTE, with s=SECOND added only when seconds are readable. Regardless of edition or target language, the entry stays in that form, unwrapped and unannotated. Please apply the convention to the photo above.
h=10 m=52
